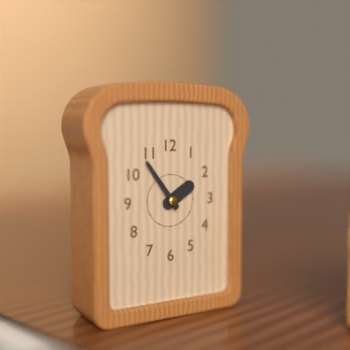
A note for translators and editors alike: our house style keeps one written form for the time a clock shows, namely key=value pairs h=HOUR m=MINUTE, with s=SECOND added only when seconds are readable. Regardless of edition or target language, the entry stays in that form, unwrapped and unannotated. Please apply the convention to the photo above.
h=1 m=54
